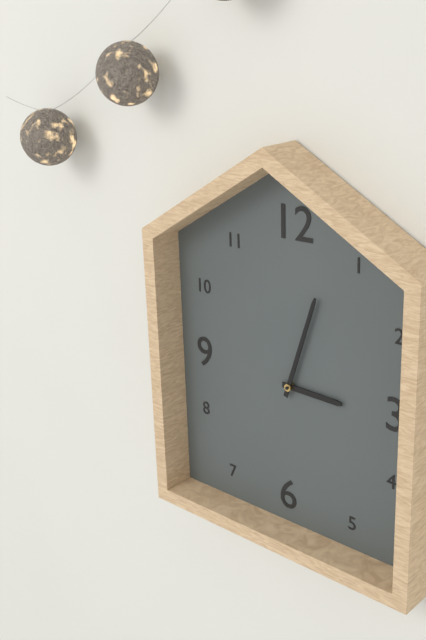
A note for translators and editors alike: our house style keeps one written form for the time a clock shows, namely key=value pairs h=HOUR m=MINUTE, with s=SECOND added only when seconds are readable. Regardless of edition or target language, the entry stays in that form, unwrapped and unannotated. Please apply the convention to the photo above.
h=3 m=3
